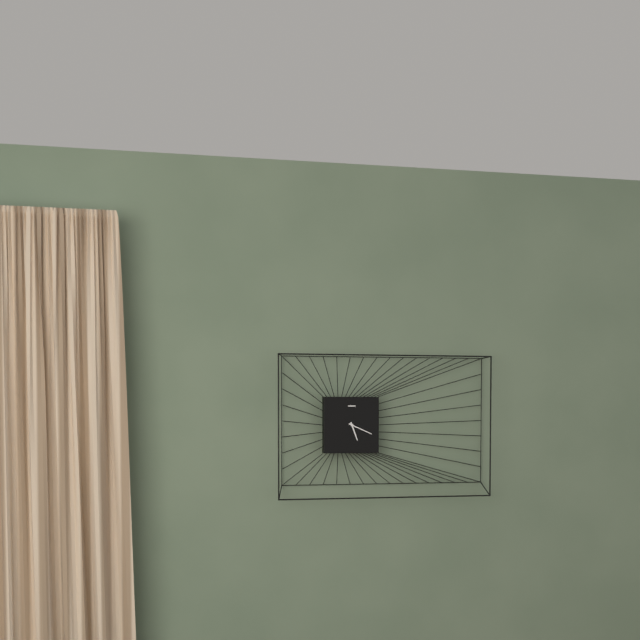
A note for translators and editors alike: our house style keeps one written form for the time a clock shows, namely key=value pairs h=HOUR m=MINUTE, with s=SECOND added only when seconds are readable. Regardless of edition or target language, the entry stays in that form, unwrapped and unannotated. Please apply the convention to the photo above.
h=5 m=19
